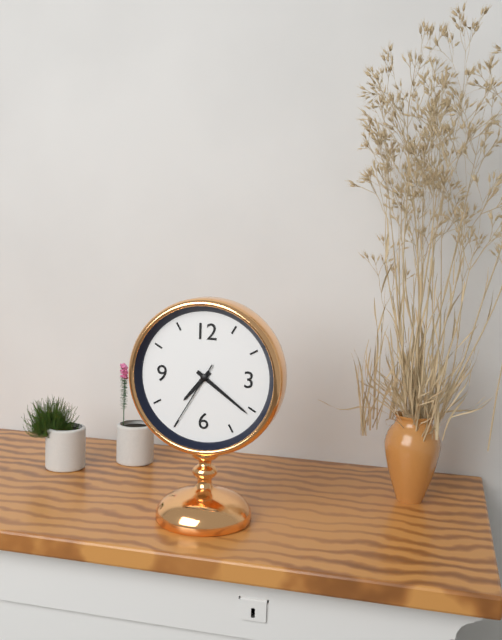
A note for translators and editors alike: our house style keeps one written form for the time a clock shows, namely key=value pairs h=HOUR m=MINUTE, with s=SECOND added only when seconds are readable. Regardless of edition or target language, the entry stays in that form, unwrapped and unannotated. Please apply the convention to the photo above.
h=7 m=21 s=35
